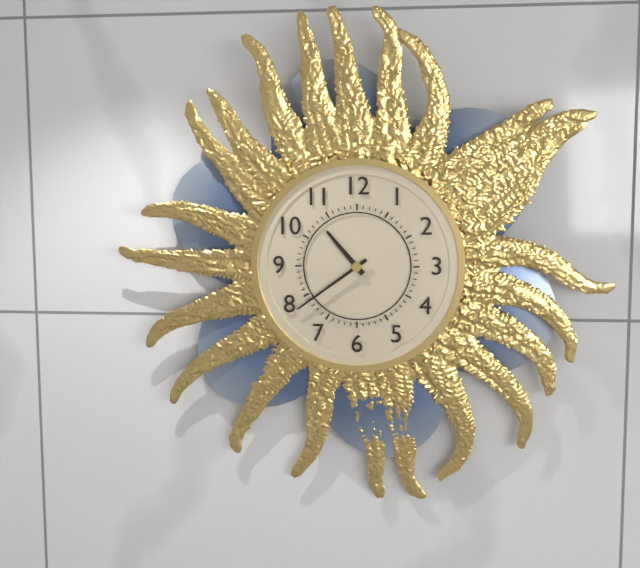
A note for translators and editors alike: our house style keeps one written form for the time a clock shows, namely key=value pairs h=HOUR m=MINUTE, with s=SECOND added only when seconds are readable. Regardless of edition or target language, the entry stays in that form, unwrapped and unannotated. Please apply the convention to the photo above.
h=10 m=39
